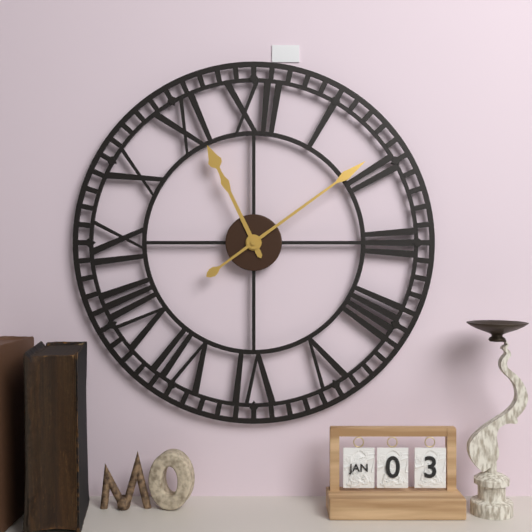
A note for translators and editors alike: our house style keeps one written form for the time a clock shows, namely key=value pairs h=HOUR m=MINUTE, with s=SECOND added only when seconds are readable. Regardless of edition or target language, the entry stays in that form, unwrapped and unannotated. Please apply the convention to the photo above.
h=11 m=9
